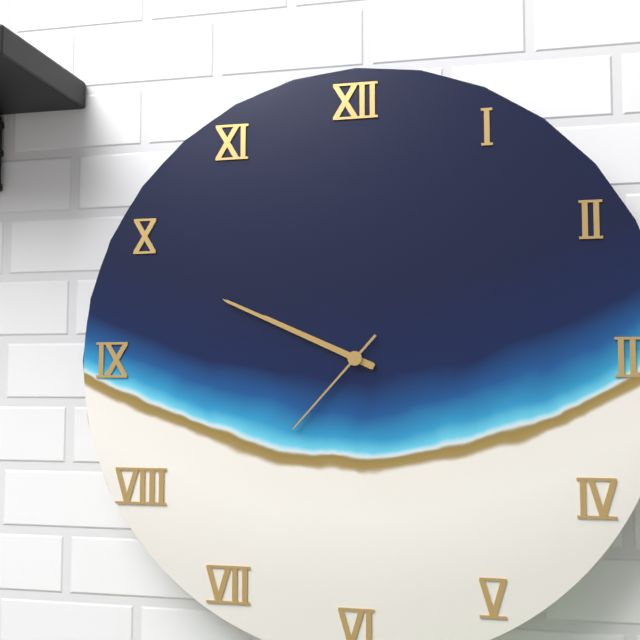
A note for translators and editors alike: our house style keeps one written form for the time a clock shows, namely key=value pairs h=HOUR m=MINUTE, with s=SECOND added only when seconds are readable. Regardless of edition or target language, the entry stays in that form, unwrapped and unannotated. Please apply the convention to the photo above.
h=9 m=49 s=37
